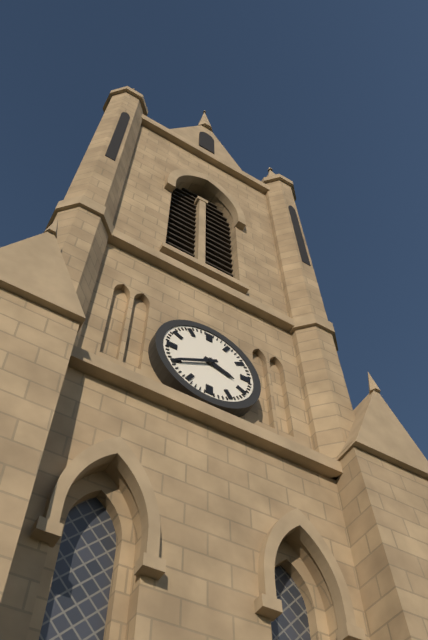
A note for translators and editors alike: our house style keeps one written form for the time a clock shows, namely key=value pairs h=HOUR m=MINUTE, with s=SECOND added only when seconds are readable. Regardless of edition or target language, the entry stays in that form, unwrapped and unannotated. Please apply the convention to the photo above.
h=3 m=40
